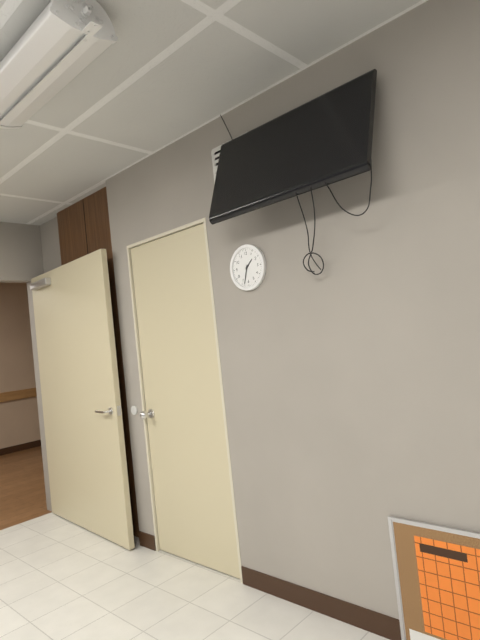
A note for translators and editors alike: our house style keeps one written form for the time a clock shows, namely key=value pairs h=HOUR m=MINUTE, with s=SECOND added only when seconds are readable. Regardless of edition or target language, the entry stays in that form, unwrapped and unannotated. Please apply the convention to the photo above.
h=1 m=33
